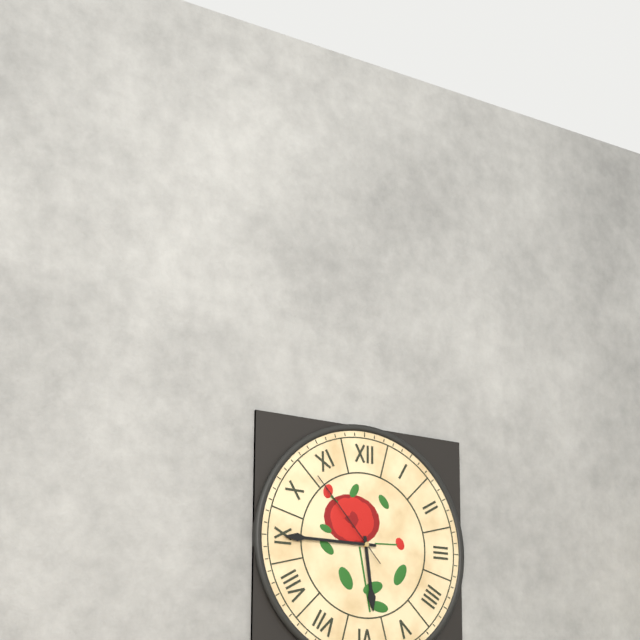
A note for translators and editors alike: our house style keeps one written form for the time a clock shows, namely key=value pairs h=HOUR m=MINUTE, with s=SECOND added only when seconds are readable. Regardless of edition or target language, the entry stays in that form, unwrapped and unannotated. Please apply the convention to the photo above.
h=5 m=45 s=53
